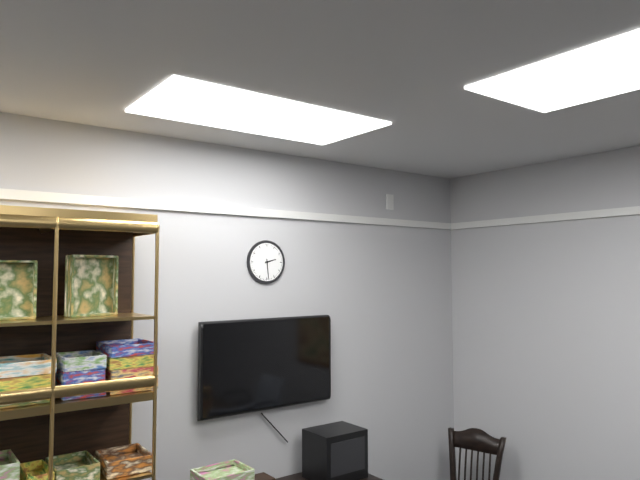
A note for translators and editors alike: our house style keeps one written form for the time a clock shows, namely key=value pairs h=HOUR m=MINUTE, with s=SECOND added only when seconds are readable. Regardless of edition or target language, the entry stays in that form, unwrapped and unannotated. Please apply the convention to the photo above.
h=2 m=29
